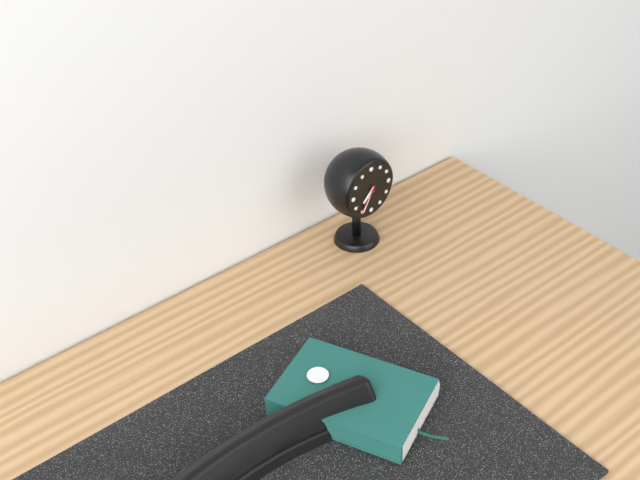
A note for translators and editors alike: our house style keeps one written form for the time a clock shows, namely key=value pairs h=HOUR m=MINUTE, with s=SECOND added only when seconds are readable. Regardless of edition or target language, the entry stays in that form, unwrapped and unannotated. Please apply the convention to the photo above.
h=7 m=35
